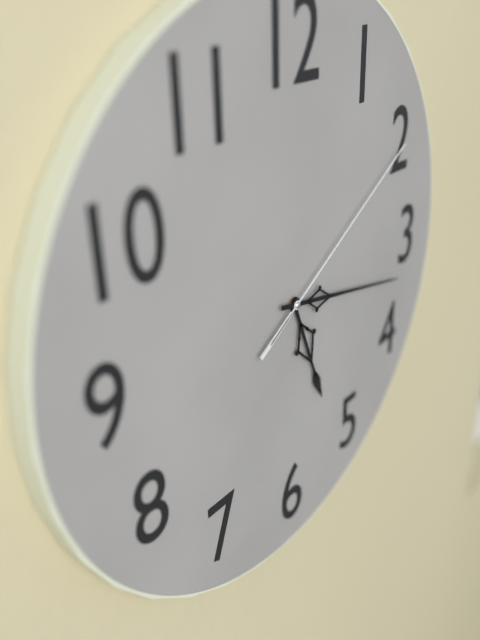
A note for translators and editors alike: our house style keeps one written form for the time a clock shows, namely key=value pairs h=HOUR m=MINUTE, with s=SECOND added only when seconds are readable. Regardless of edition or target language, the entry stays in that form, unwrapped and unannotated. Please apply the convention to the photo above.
h=5 m=17 s=10
